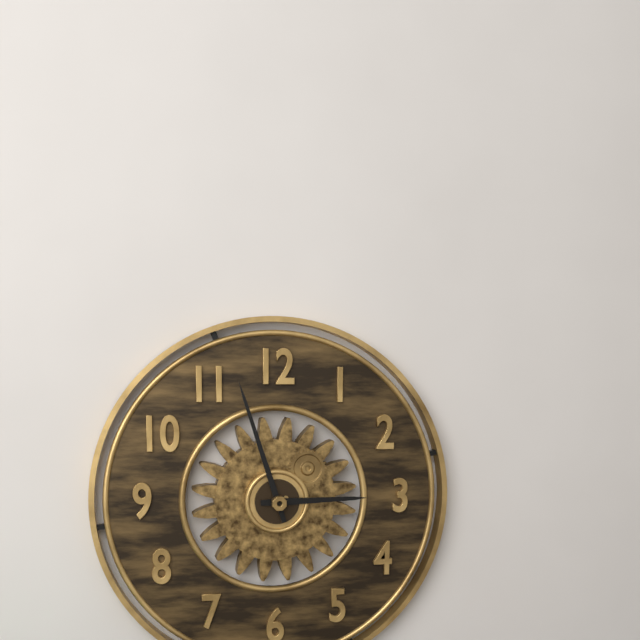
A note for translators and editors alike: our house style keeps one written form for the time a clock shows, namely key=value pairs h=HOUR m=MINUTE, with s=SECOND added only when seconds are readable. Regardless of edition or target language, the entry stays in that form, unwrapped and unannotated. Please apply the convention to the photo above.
h=2 m=57
